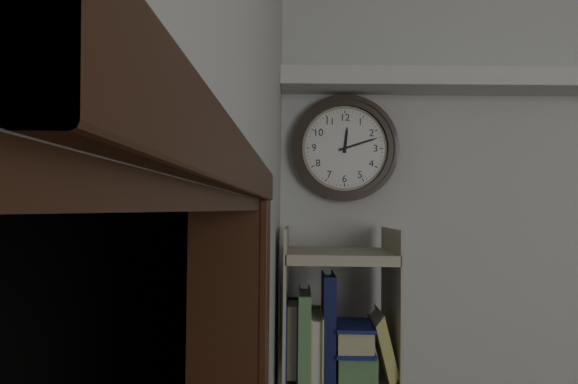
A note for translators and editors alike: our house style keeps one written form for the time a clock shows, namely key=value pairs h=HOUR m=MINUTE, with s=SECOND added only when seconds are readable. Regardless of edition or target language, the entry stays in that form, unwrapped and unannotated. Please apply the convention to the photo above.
h=12 m=12
